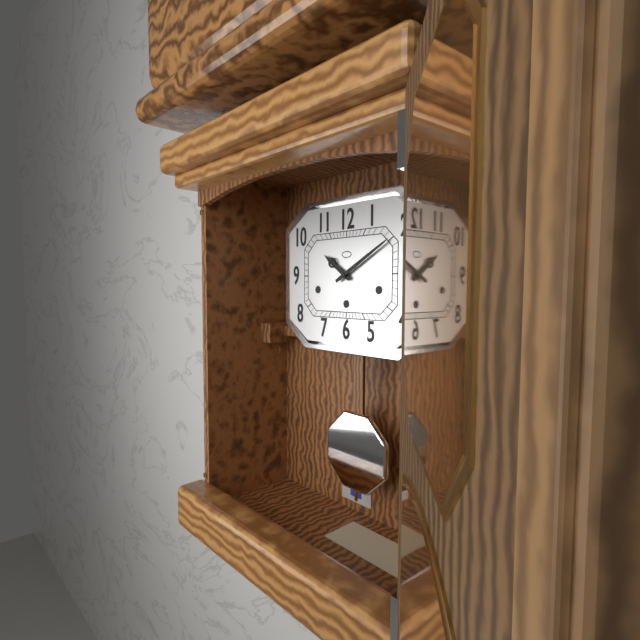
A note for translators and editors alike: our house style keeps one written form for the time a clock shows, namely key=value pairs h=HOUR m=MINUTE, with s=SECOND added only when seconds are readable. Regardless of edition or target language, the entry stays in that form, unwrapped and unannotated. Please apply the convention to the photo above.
h=10 m=10
